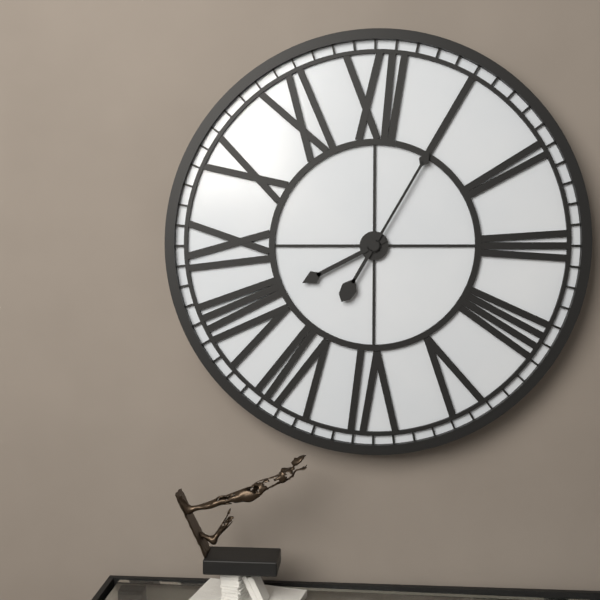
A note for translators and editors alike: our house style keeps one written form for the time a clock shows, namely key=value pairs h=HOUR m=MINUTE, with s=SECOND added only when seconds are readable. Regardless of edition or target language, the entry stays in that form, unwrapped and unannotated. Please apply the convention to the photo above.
h=8 m=5
